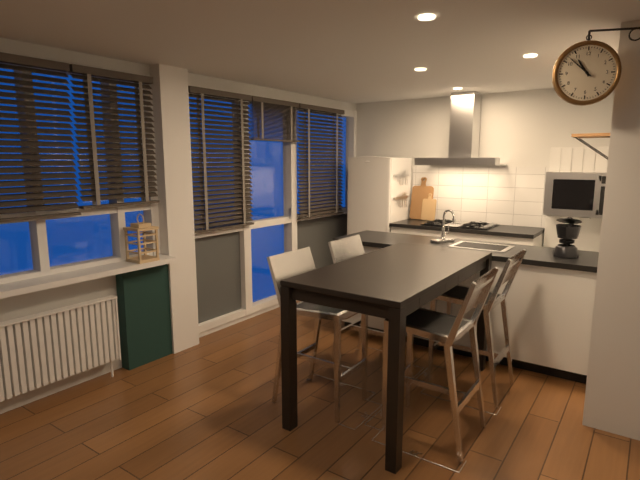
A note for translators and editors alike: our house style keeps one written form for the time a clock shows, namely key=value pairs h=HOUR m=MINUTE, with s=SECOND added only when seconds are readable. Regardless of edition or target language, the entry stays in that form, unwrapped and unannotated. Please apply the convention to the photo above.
h=10 m=52
